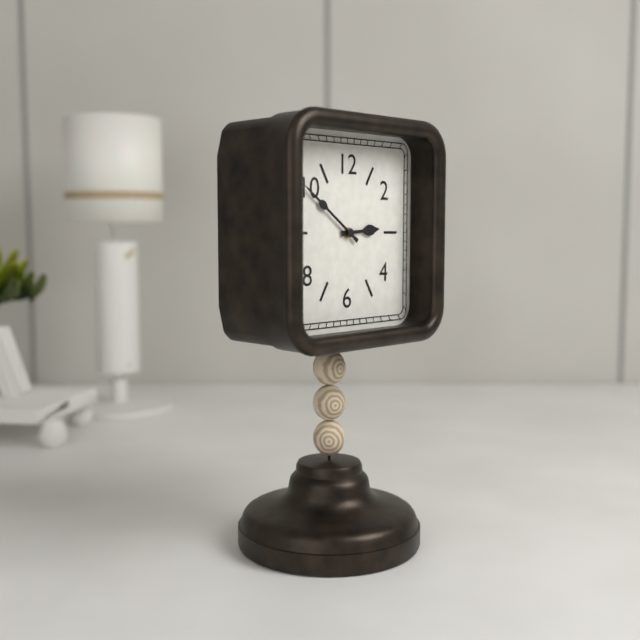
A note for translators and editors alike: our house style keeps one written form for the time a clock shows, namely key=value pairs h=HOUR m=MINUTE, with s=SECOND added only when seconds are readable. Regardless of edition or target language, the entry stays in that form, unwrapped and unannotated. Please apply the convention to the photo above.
h=2 m=51
